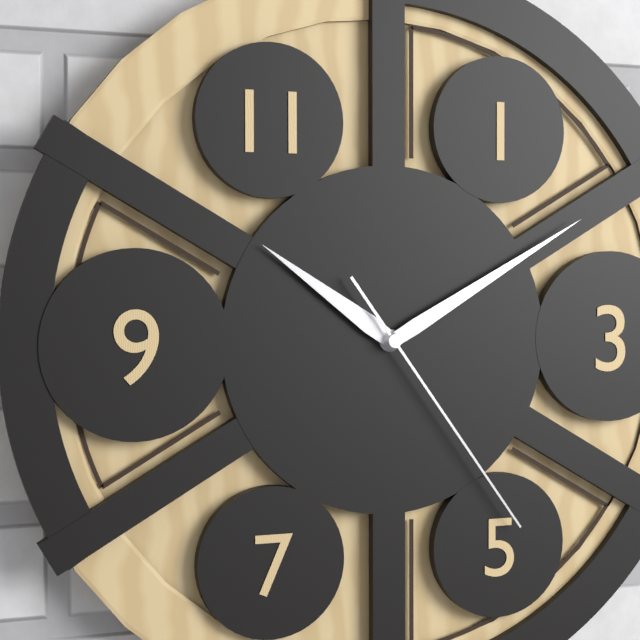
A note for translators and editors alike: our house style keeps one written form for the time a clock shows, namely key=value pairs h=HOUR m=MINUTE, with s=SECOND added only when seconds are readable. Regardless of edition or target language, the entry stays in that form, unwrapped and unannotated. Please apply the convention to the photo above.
h=10 m=10 s=24
